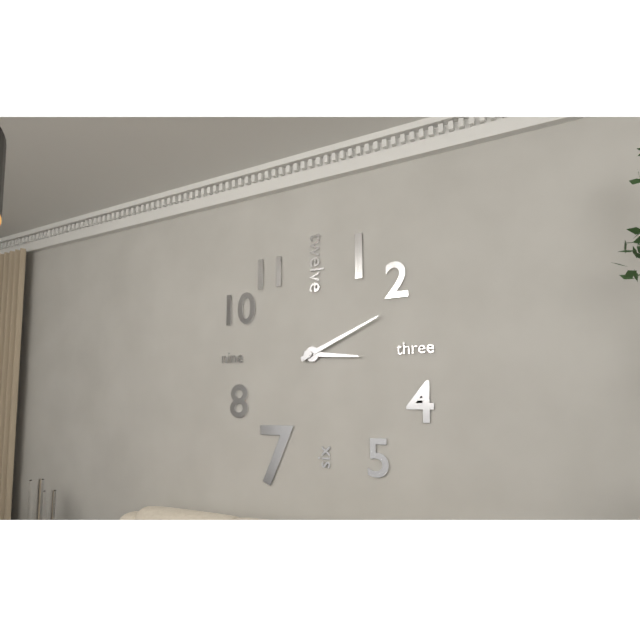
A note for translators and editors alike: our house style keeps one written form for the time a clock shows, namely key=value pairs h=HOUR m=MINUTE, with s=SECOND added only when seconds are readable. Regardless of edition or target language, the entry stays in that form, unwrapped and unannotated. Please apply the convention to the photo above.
h=3 m=11
